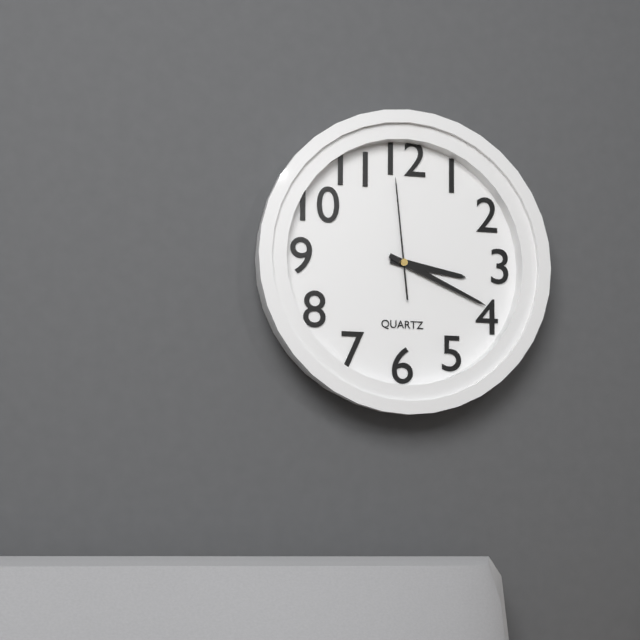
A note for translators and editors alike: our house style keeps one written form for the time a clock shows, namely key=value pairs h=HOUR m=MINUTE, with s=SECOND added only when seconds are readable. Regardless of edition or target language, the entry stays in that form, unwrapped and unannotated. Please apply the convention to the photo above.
h=3 m=19 s=59
